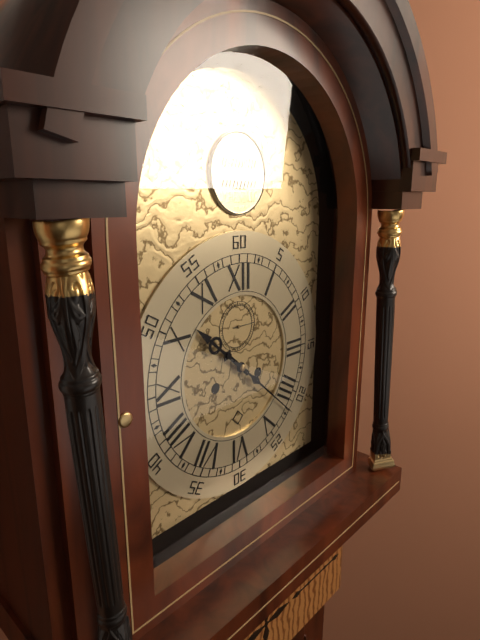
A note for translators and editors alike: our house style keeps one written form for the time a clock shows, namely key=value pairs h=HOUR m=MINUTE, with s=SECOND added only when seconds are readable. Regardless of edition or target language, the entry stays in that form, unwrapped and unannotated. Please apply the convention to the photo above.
h=10 m=22
